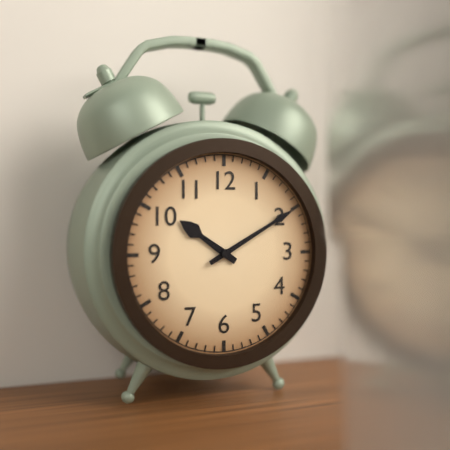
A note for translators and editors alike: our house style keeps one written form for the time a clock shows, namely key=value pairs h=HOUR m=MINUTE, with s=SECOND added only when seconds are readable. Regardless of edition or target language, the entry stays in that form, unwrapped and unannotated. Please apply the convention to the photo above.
h=10 m=10
